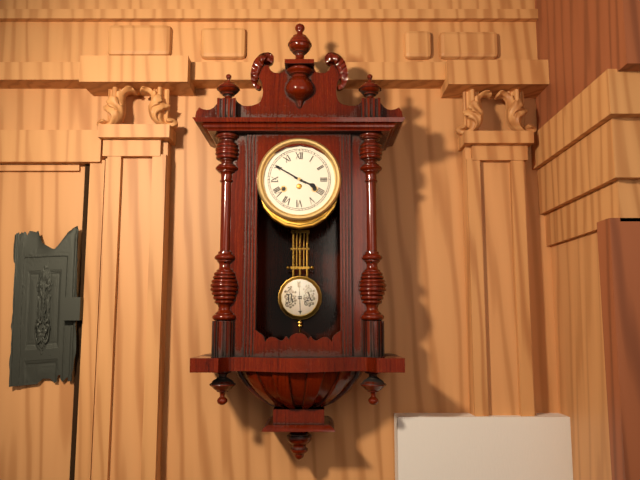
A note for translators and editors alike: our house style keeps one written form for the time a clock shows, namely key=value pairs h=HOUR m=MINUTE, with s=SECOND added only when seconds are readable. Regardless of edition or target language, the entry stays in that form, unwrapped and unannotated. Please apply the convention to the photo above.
h=3 m=50
